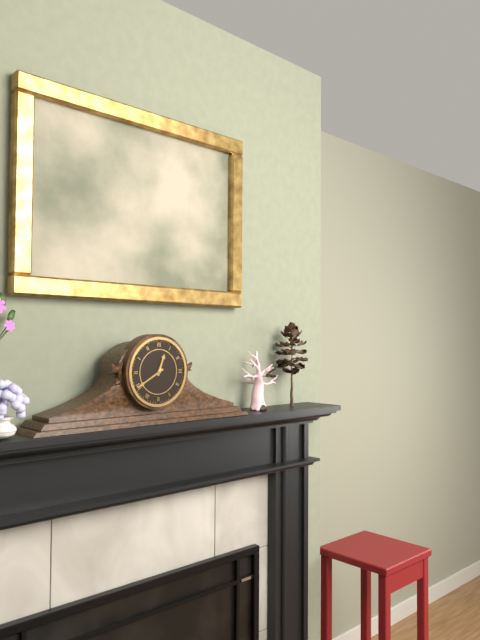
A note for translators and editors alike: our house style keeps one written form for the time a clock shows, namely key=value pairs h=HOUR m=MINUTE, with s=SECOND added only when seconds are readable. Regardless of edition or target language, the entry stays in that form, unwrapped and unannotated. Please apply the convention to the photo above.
h=12 m=40
